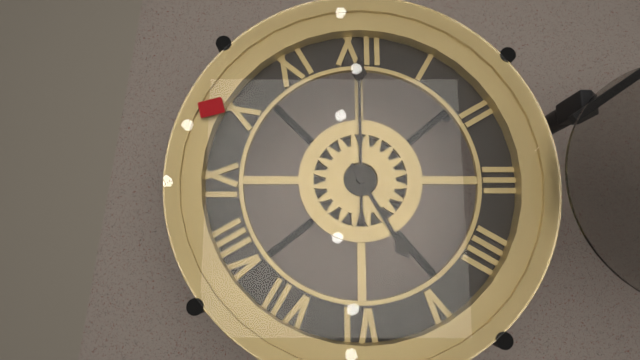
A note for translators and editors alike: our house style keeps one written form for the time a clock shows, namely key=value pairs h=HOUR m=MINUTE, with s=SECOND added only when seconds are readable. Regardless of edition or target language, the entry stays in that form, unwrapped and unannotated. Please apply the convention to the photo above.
h=5 m=0
